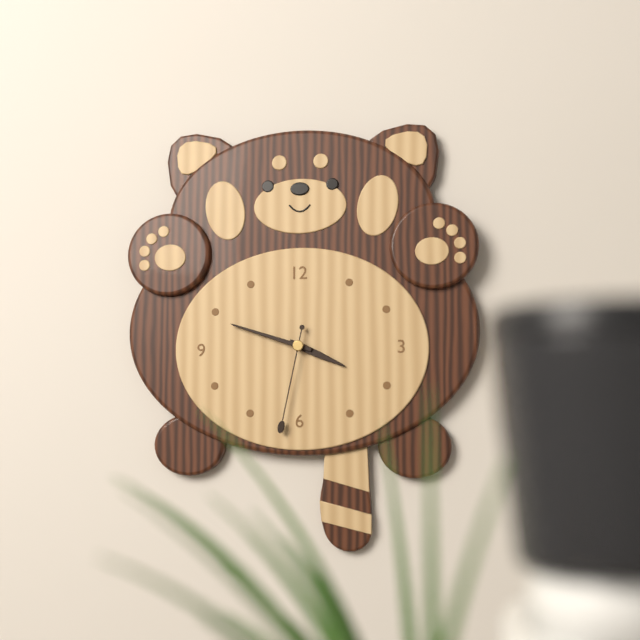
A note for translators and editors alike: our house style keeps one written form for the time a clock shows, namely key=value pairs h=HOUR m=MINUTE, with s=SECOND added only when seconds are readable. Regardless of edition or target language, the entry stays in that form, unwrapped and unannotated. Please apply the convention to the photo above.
h=3 m=48 s=32
